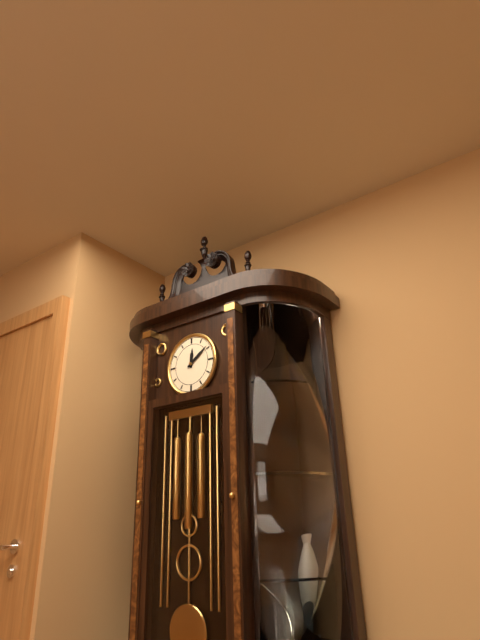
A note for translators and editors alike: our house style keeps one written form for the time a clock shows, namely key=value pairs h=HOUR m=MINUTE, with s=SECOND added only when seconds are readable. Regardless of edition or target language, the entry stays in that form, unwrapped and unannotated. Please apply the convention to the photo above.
h=12 m=9
